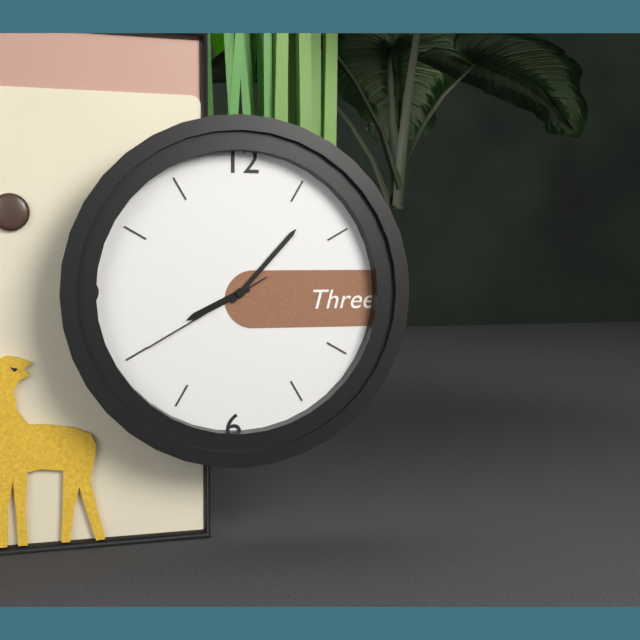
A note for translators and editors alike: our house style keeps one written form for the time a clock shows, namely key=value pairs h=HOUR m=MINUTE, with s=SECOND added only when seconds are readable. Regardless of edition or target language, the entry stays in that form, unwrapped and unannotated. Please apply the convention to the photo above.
h=8 m=7 s=40
